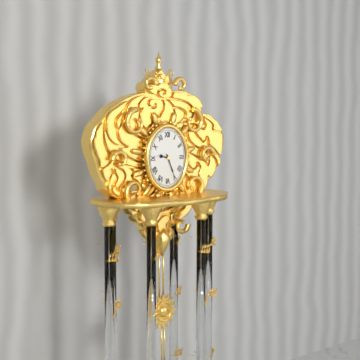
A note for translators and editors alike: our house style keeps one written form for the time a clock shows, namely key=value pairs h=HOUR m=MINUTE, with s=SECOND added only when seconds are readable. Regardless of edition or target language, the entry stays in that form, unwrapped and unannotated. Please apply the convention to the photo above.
h=9 m=26
